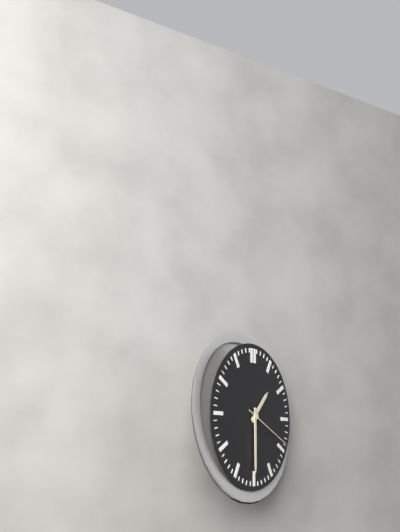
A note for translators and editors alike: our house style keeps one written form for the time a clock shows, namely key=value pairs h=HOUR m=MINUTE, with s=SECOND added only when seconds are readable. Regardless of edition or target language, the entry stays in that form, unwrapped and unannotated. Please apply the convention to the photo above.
h=1 m=30 s=19
